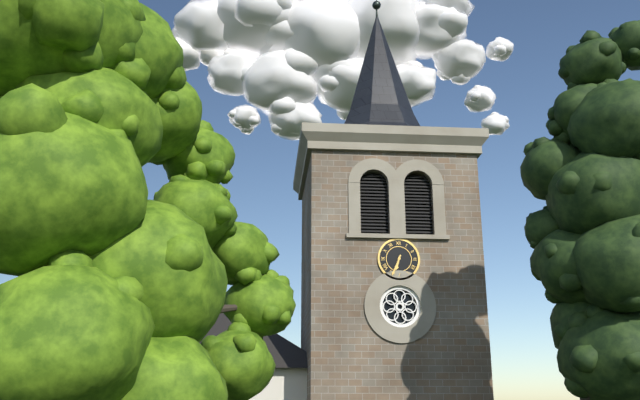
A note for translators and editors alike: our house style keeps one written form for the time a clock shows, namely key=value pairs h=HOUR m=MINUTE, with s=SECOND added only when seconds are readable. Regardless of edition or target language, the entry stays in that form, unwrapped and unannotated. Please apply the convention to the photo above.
h=6 m=34
